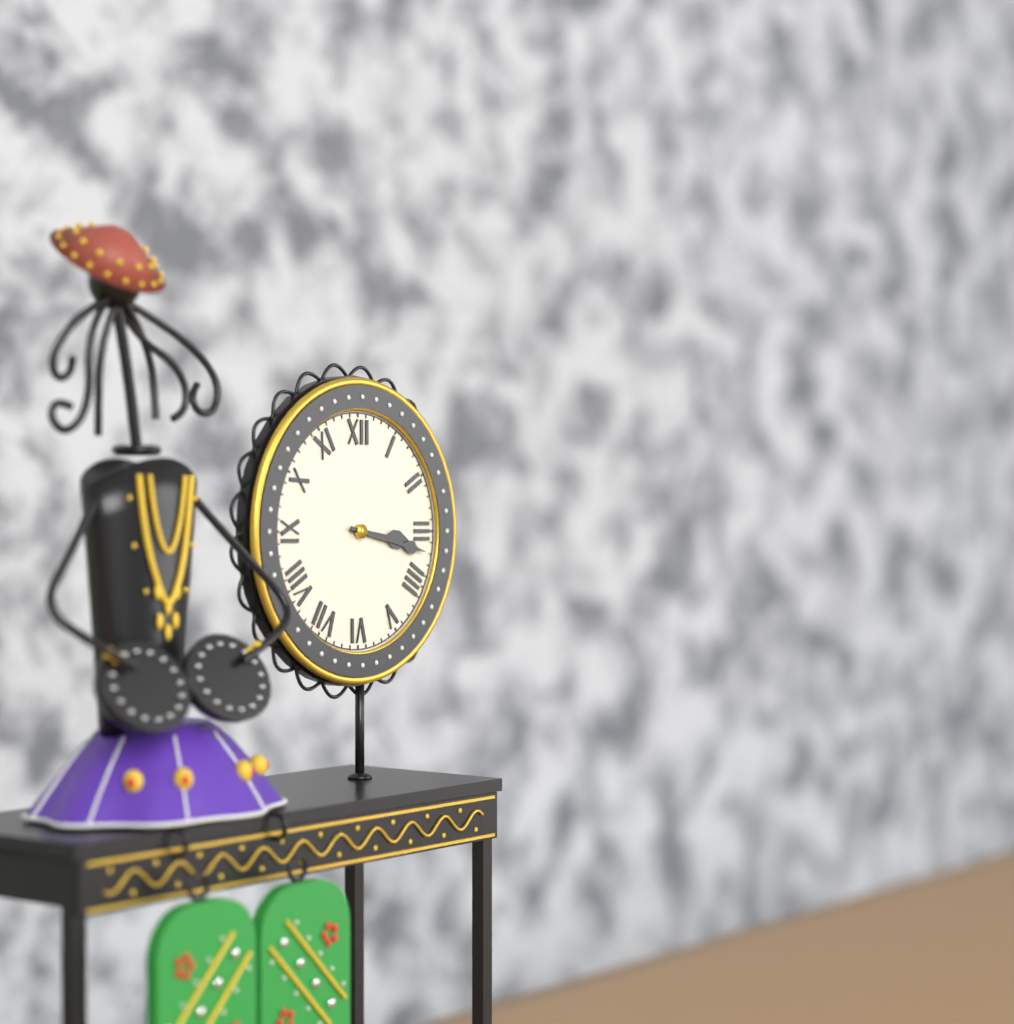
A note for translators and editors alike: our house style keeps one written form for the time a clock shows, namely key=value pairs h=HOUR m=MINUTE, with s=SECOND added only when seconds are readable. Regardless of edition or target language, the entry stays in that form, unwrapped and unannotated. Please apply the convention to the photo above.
h=3 m=17
